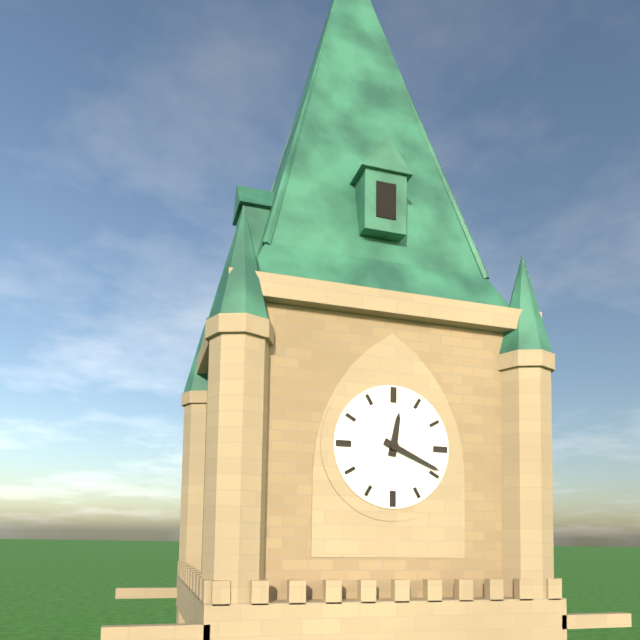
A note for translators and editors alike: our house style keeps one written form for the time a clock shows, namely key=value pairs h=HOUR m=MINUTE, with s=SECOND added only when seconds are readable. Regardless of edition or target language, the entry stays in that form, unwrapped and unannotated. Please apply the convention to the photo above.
h=12 m=19
